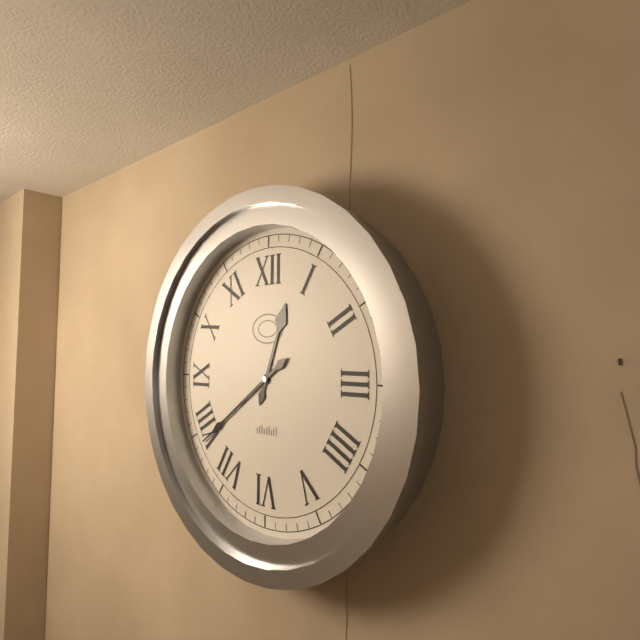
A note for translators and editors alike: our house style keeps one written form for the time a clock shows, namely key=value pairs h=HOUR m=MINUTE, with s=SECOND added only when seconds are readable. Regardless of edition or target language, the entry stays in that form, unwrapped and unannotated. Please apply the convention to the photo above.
h=12 m=39
